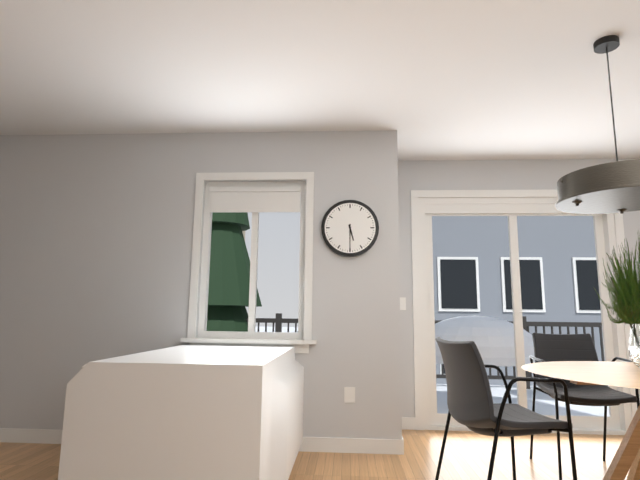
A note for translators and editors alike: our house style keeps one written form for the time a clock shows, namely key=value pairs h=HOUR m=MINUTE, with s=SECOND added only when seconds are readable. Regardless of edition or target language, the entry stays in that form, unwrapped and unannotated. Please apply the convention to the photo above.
h=5 m=30
